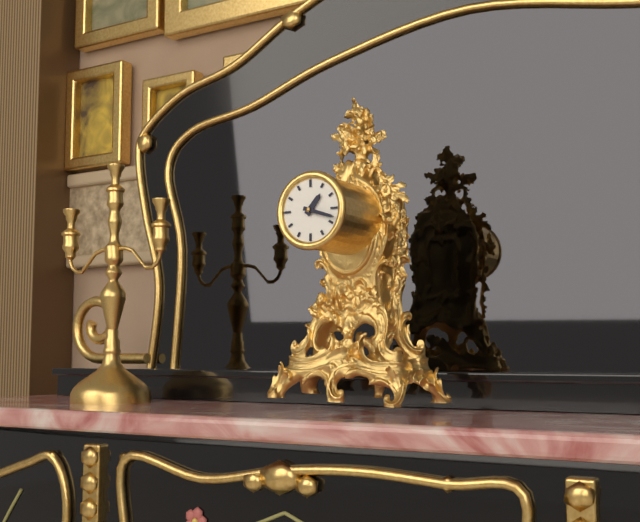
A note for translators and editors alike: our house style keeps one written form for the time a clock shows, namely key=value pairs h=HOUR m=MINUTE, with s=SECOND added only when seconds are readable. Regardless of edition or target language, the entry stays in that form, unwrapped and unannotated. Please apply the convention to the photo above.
h=1 m=18
